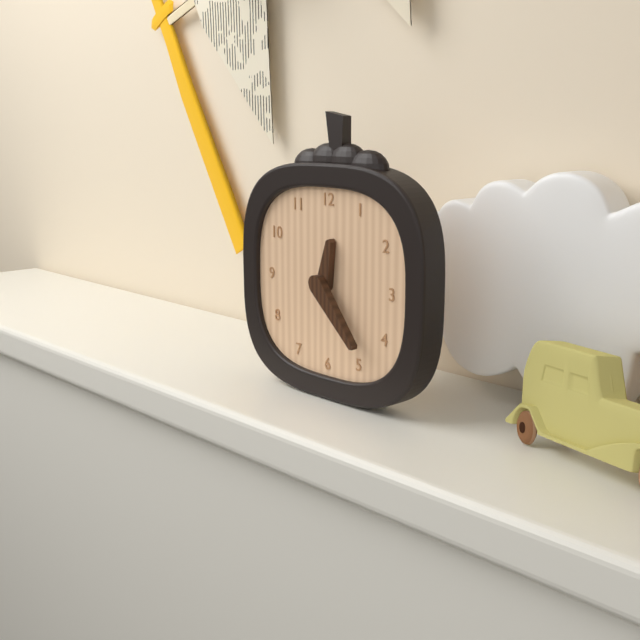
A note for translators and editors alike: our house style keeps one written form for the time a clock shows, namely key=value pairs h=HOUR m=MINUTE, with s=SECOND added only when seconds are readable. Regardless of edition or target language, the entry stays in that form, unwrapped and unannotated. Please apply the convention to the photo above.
h=12 m=23
